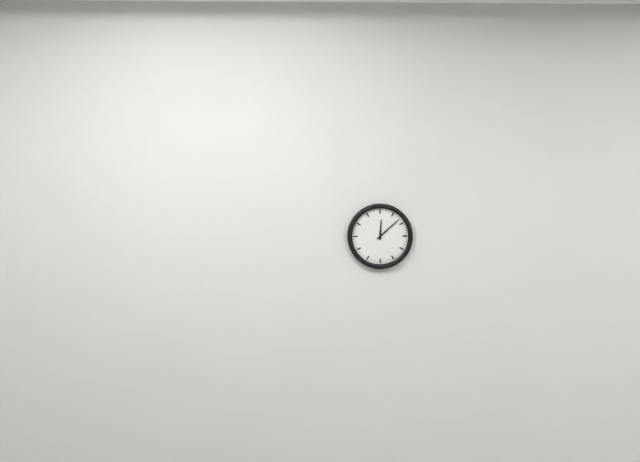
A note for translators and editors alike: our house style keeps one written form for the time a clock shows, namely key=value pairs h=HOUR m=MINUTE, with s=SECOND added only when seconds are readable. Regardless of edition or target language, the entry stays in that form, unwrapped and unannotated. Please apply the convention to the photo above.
h=12 m=8
